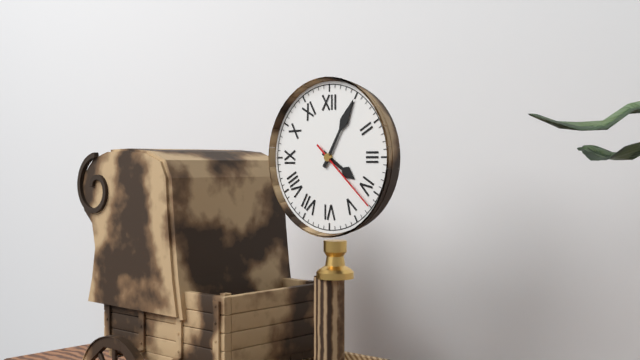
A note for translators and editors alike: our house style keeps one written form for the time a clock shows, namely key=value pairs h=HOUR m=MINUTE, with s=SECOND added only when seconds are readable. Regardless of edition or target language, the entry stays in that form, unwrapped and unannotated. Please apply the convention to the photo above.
h=4 m=5 s=22
